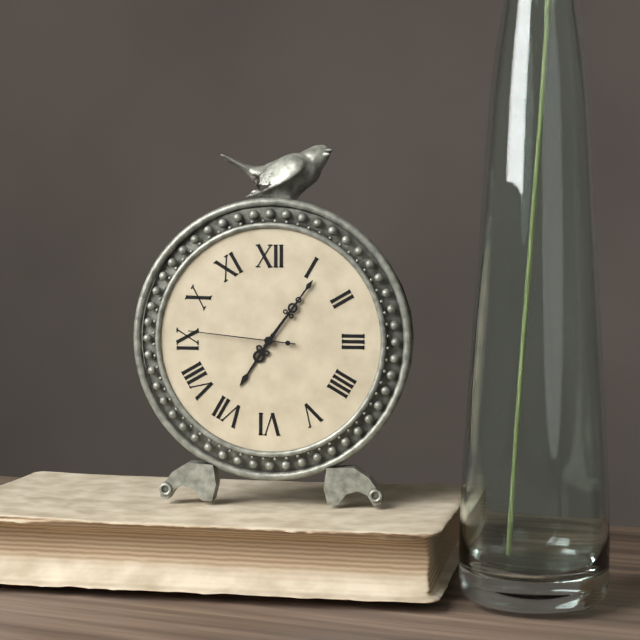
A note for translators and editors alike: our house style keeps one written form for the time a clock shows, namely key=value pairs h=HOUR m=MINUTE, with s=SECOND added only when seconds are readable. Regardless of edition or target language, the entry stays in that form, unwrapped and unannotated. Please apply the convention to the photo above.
h=7 m=6 s=46
